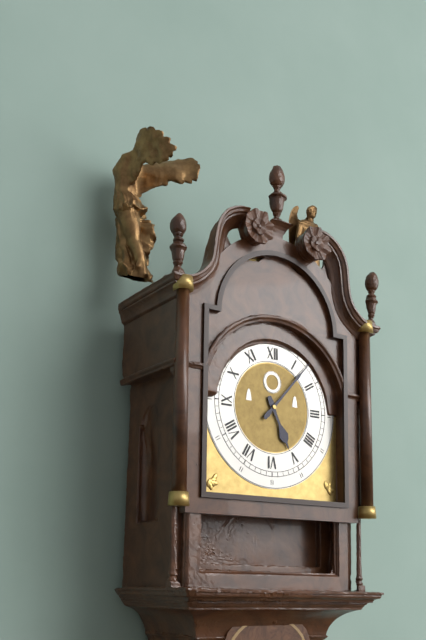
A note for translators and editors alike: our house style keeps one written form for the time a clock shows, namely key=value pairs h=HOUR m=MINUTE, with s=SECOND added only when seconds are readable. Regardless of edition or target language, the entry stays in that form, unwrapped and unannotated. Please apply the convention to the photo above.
h=5 m=7
